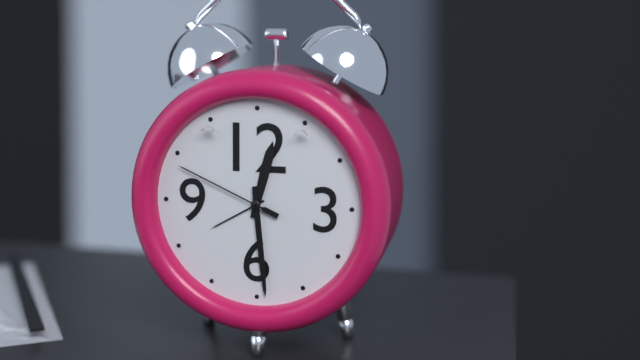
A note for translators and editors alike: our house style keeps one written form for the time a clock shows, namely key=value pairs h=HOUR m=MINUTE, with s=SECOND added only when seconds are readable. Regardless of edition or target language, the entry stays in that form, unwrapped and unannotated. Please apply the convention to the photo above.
h=12 m=29 s=49
